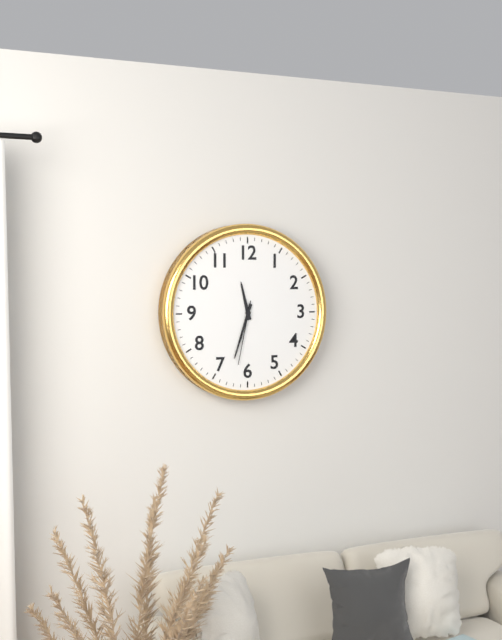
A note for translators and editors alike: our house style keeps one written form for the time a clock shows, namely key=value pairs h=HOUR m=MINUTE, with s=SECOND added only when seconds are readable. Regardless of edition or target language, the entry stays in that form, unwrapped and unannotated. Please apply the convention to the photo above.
h=11 m=33 s=32
